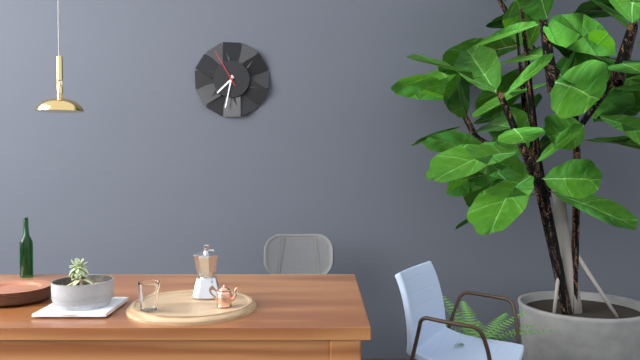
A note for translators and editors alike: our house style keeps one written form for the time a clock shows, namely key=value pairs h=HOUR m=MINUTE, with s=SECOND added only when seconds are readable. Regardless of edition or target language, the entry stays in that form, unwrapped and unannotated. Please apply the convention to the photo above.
h=7 m=32
